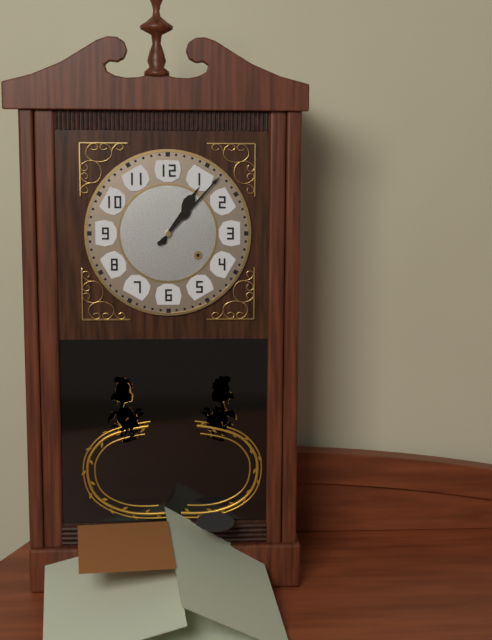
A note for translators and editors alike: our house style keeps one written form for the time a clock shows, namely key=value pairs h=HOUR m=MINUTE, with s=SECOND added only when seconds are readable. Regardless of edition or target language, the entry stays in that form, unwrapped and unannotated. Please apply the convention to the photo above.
h=1 m=7
